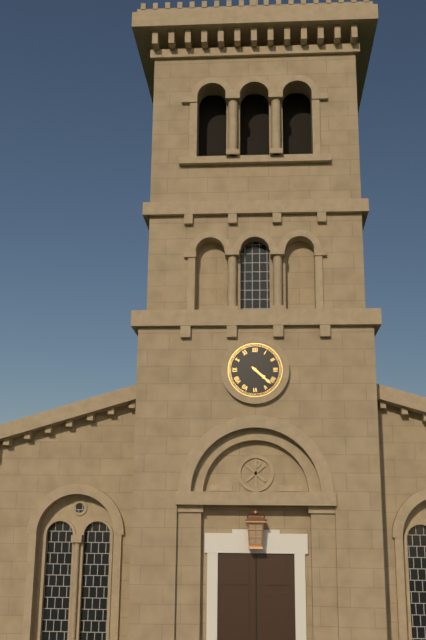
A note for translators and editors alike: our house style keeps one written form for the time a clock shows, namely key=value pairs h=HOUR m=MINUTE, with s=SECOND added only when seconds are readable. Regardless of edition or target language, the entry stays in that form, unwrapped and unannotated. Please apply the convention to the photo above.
h=4 m=22
